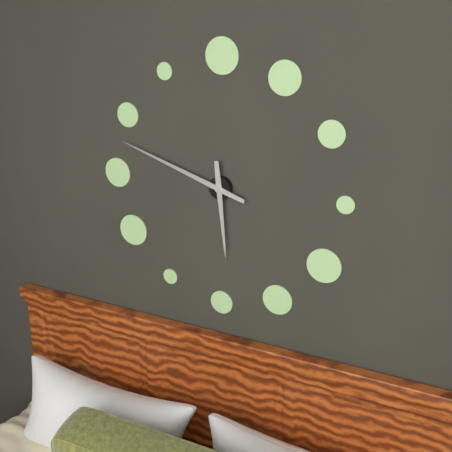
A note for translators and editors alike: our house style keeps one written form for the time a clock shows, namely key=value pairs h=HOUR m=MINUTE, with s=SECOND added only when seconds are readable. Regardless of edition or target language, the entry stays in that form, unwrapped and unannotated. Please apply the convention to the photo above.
h=5 m=48
